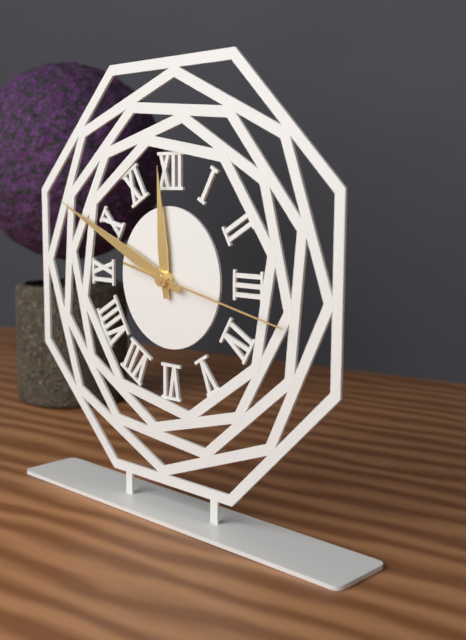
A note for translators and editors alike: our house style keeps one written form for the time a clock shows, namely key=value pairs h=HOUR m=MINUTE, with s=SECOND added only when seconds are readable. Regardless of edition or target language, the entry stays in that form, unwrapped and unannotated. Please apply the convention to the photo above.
h=11 m=49 s=17
